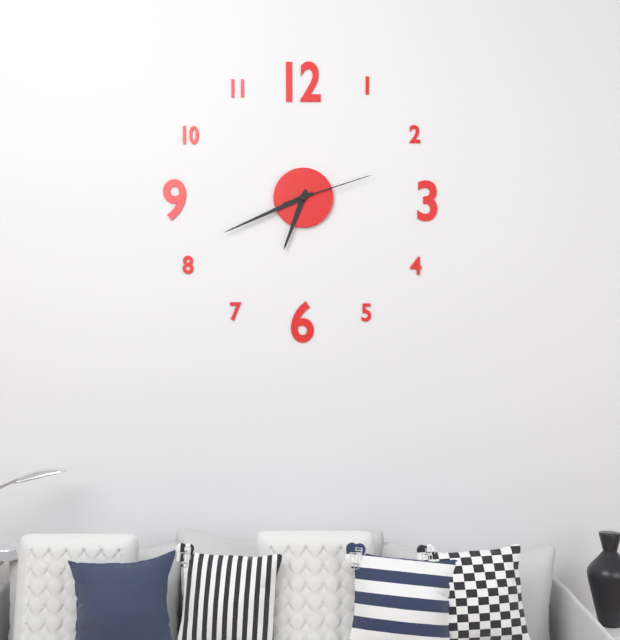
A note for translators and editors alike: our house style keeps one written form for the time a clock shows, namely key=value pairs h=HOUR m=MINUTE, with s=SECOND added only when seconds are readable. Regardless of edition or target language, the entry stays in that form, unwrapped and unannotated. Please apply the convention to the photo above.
h=6 m=41 s=12
